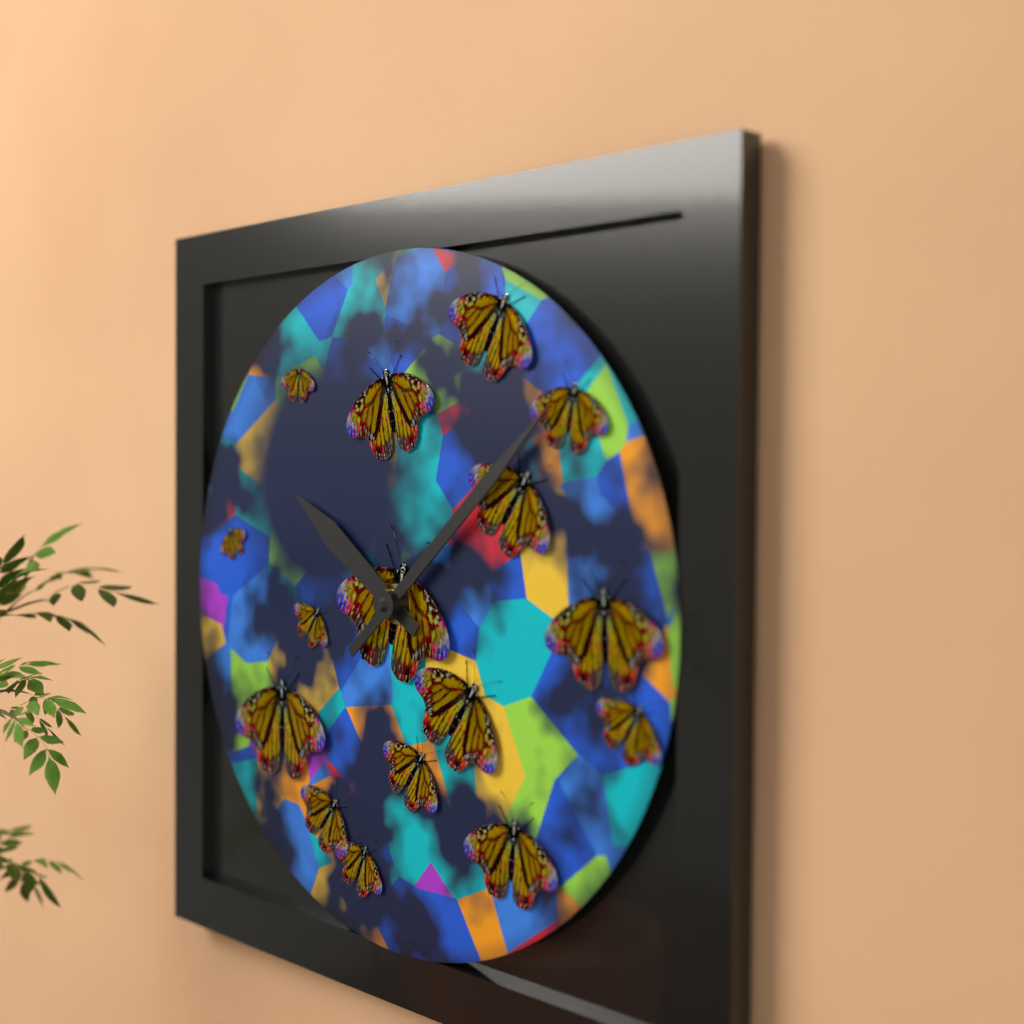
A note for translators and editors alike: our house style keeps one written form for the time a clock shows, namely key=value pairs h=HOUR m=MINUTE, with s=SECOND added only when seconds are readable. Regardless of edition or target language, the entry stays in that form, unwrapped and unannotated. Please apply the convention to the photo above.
h=10 m=8
